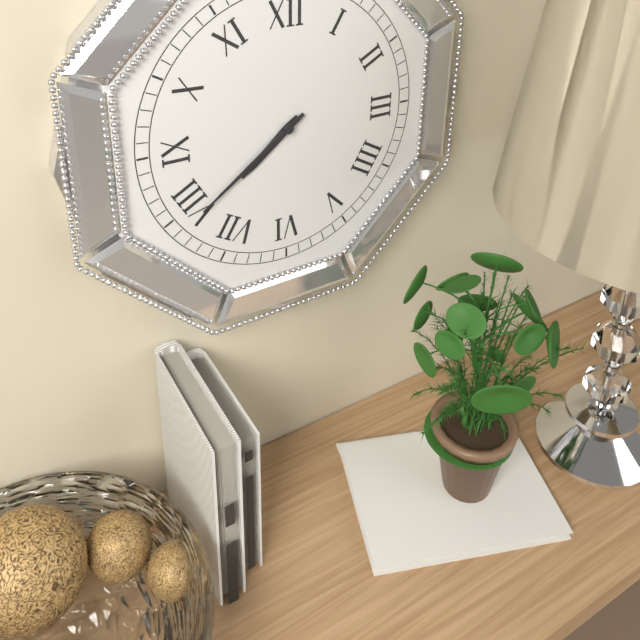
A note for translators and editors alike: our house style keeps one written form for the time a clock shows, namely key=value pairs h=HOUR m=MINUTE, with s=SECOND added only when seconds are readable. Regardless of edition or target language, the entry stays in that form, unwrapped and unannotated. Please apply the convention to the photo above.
h=7 m=39
